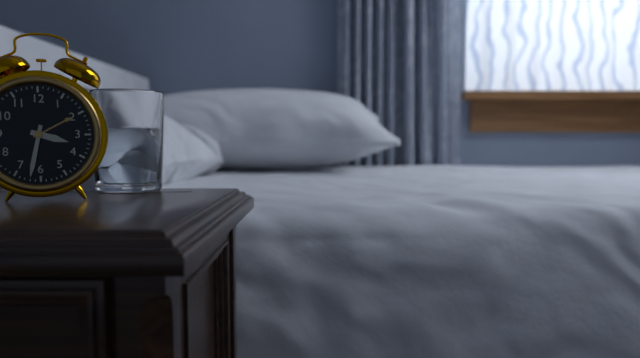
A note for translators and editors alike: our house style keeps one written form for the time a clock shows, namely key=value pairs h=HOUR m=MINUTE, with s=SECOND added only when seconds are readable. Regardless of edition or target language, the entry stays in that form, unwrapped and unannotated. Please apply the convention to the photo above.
h=3 m=32
